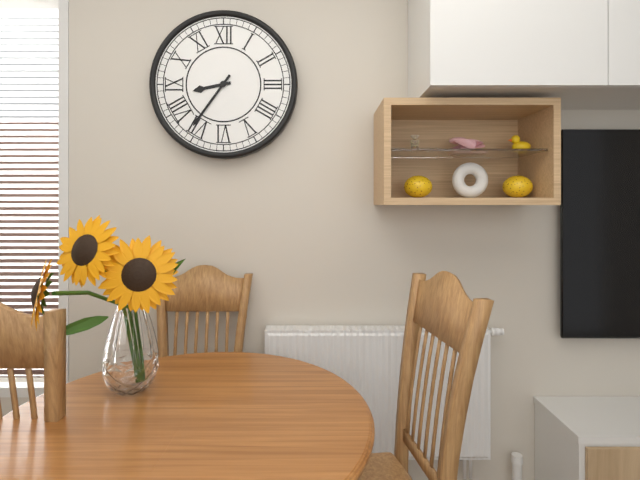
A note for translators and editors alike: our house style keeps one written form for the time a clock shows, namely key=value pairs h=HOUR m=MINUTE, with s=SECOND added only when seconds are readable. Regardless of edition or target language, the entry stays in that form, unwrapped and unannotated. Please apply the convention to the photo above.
h=8 m=36
